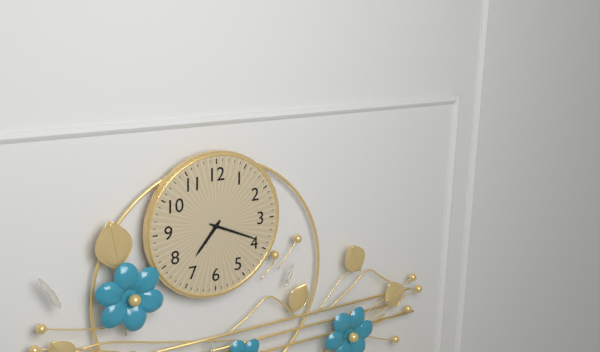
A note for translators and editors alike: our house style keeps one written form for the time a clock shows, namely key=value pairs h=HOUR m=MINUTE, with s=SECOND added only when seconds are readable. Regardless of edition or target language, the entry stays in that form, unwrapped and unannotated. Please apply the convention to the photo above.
h=7 m=19
